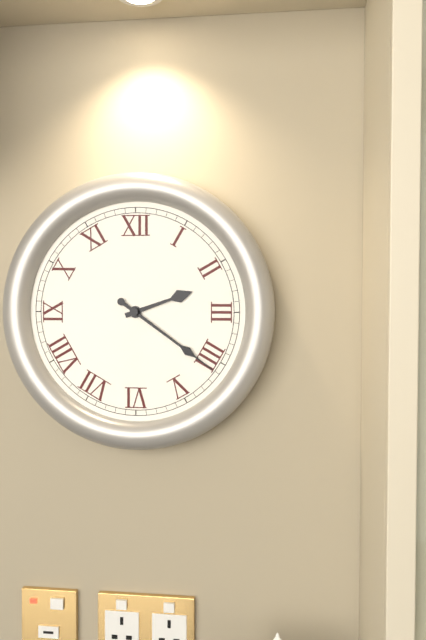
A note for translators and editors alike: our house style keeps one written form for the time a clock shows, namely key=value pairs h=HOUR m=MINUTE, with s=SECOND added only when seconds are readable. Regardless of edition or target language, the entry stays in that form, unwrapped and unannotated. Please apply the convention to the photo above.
h=2 m=21
